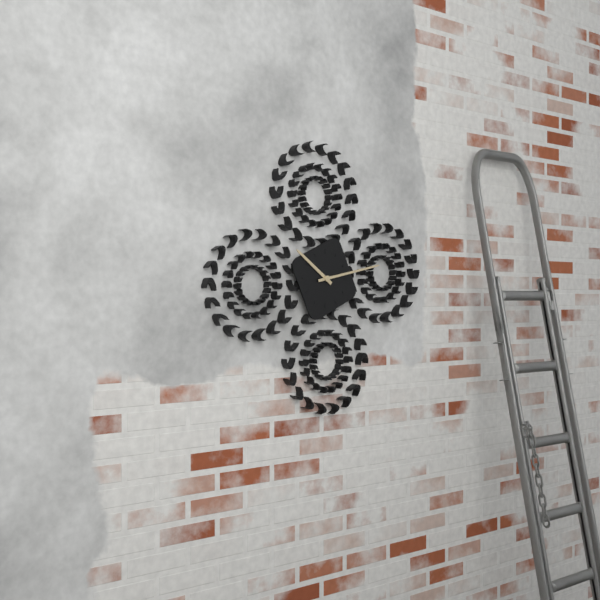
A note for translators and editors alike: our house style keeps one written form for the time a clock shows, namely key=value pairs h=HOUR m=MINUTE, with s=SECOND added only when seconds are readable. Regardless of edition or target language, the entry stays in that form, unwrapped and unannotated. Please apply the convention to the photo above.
h=10 m=13
